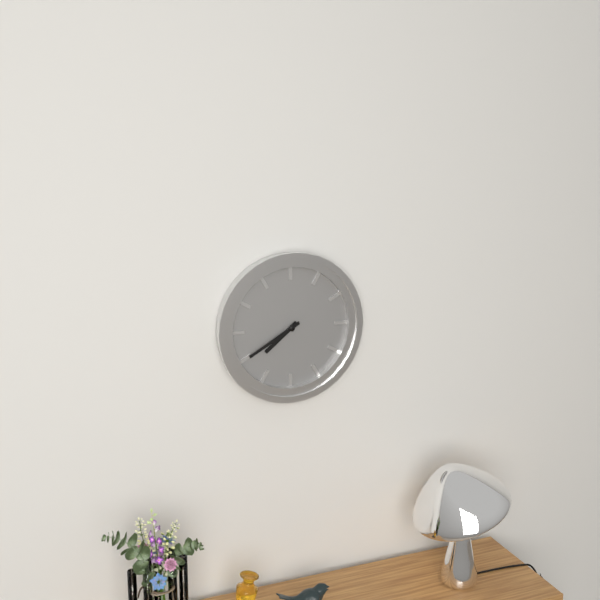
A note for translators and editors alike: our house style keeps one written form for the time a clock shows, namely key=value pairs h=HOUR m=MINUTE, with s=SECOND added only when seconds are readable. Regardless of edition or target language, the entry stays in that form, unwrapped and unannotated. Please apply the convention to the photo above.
h=7 m=40
